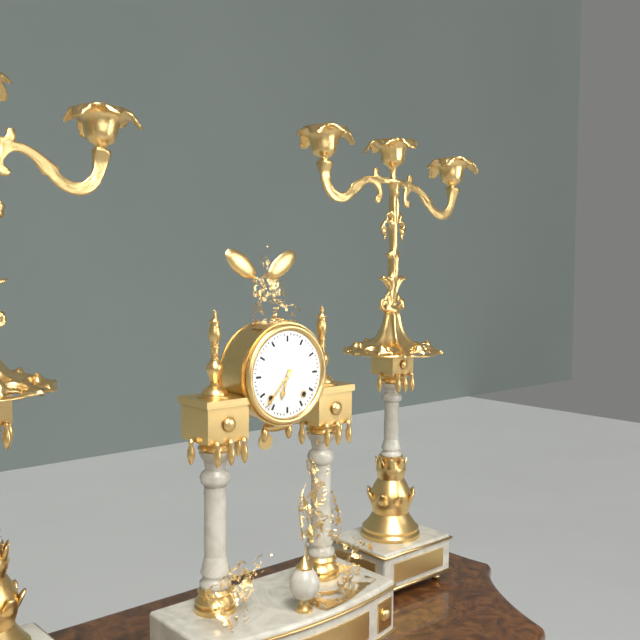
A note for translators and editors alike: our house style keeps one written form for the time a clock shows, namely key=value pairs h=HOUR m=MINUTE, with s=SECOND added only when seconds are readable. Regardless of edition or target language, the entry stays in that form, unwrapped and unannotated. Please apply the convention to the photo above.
h=6 m=37
